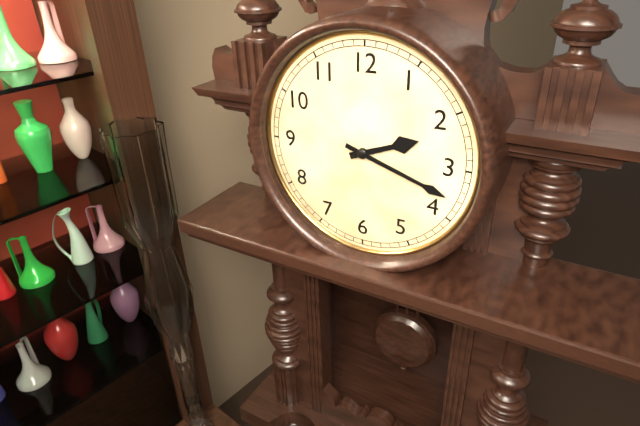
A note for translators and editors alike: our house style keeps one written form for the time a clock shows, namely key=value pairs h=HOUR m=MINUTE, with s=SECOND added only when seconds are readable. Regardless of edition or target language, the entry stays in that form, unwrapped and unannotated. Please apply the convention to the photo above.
h=2 m=18
